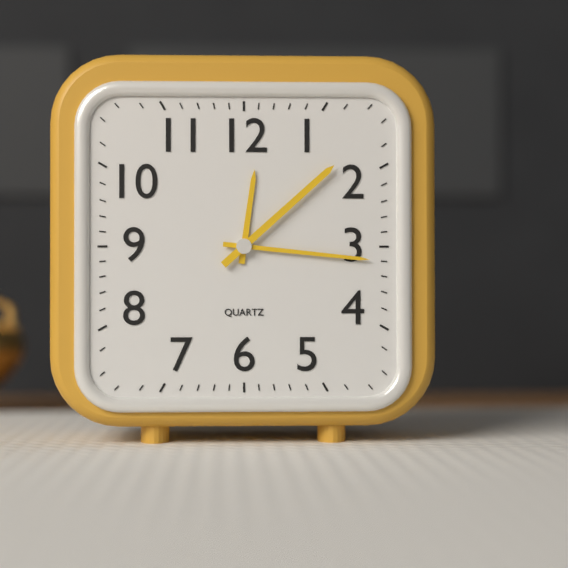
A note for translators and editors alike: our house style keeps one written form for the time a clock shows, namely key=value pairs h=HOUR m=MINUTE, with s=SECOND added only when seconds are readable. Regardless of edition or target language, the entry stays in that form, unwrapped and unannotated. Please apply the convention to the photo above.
h=12 m=16 s=8
